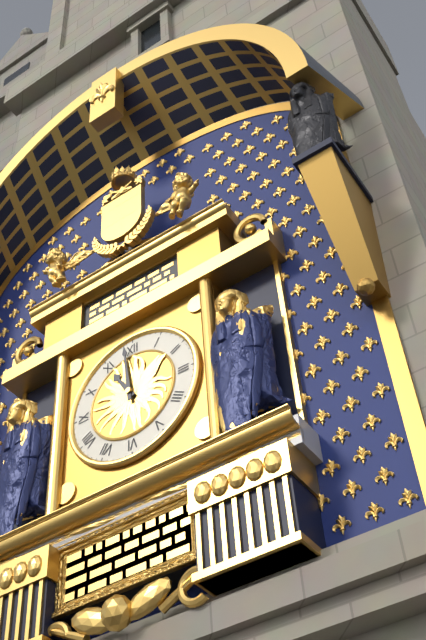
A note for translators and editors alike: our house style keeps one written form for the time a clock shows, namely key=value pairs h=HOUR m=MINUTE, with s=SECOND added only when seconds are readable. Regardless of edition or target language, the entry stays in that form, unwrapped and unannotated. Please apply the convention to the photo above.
h=10 m=59
